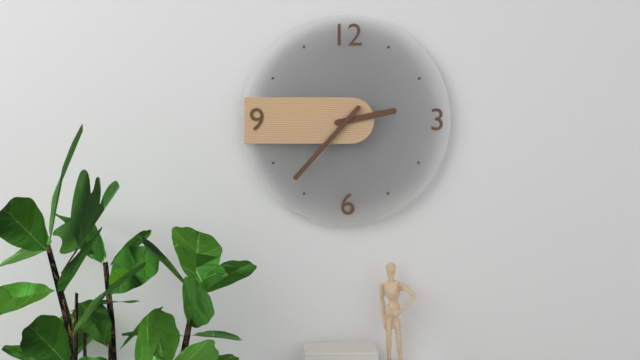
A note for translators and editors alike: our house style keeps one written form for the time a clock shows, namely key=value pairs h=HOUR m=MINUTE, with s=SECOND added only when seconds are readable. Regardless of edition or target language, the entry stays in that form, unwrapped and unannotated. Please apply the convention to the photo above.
h=2 m=37
